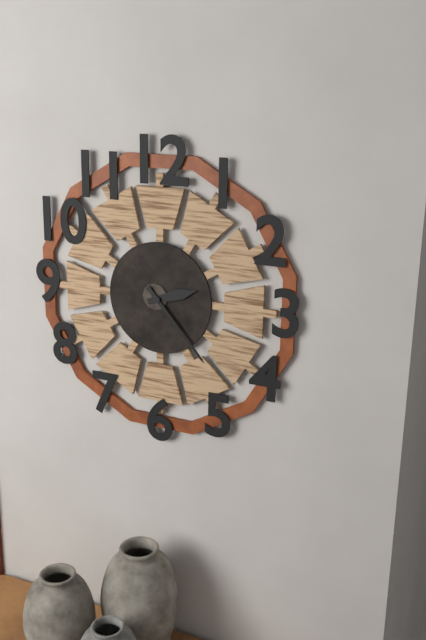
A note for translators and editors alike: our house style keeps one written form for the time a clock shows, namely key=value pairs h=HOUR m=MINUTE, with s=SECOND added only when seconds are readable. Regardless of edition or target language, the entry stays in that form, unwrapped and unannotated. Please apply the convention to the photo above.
h=2 m=23
